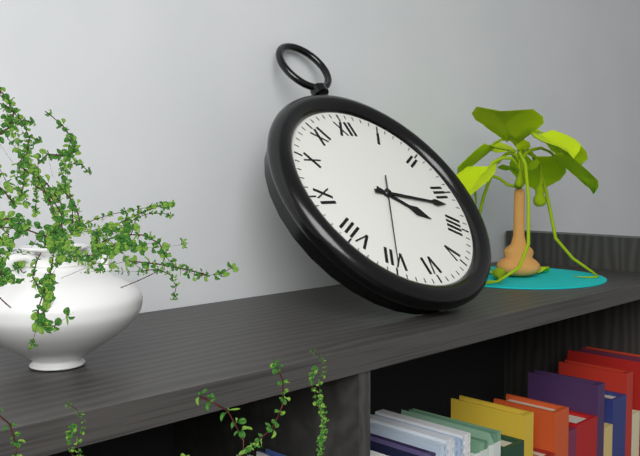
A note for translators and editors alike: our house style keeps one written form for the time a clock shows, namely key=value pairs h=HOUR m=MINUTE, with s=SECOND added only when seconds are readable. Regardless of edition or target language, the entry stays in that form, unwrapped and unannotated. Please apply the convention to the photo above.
h=4 m=17 s=35
